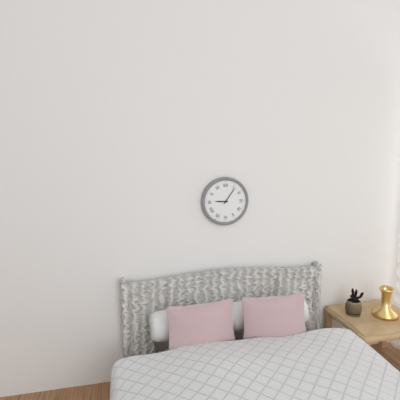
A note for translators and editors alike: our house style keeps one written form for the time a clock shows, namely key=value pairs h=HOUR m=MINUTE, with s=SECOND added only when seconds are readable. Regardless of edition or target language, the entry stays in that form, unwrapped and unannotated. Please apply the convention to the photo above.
h=9 m=6
